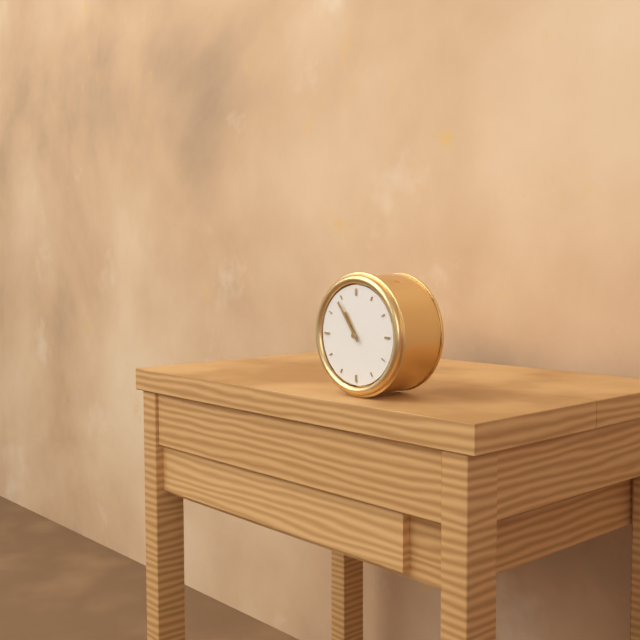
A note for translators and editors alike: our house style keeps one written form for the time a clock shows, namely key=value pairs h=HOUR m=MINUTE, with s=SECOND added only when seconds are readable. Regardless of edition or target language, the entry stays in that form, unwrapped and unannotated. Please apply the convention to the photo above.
h=10 m=54
